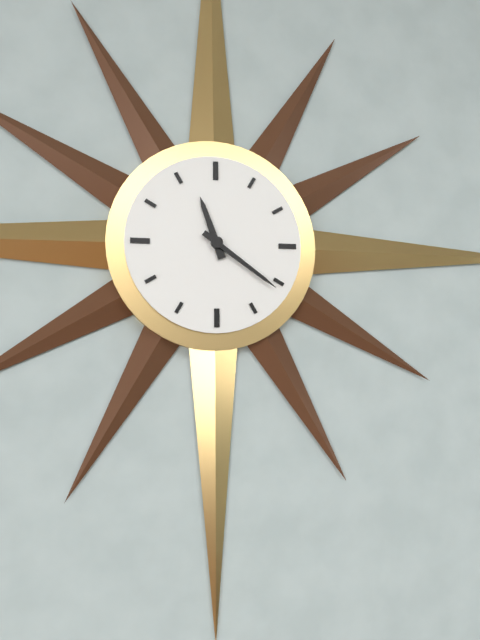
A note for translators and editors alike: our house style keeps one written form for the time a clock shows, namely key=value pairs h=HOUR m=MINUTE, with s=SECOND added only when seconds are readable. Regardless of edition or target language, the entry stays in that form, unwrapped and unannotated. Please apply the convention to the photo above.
h=11 m=21
